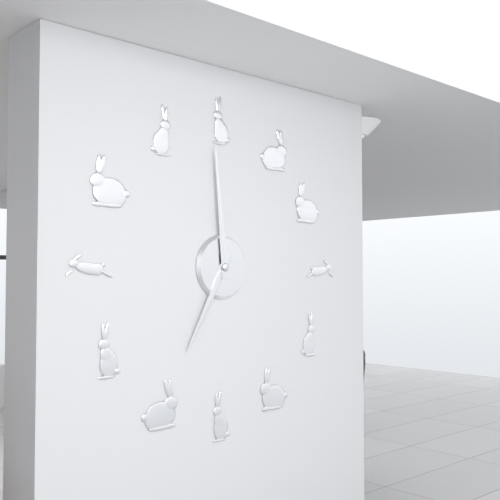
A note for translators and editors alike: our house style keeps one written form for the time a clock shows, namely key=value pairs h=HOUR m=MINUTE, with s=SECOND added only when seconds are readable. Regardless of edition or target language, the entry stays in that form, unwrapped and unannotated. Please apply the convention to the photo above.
h=6 m=59
